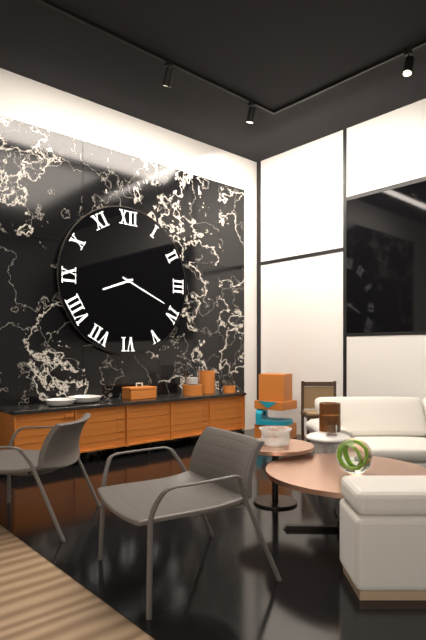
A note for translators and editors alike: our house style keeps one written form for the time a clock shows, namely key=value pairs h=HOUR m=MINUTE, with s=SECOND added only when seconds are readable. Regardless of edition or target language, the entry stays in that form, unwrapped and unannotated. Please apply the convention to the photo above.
h=8 m=19
